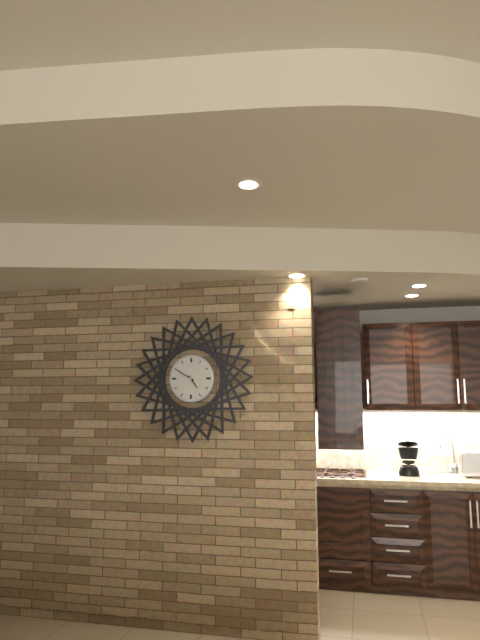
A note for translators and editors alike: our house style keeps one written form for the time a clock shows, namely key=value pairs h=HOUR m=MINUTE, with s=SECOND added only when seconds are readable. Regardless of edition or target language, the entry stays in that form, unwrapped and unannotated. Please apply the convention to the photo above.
h=4 m=50
